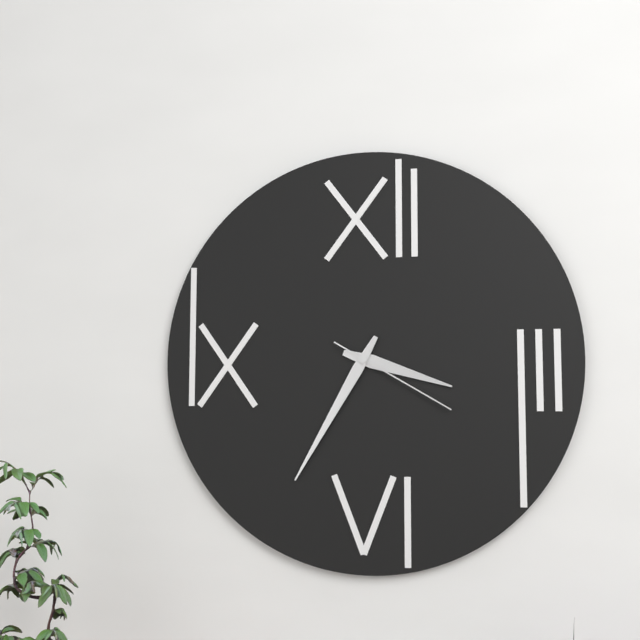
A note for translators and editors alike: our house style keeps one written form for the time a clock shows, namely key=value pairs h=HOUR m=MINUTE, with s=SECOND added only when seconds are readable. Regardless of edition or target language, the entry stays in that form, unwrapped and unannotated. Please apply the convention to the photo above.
h=3 m=35 s=20
